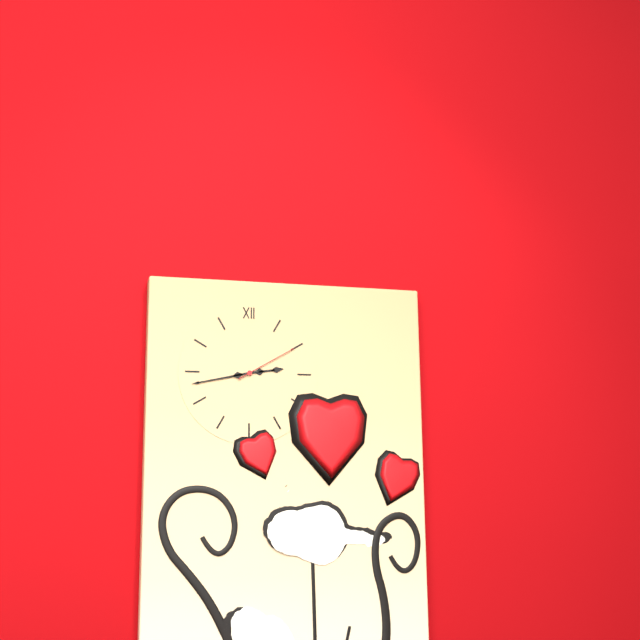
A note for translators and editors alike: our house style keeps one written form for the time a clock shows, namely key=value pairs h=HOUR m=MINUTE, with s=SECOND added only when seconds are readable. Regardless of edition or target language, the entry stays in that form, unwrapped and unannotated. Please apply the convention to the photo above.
h=2 m=43 s=10
